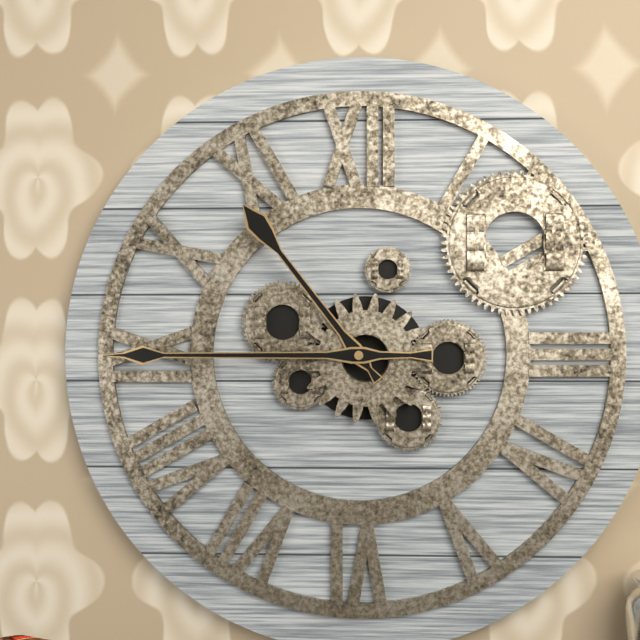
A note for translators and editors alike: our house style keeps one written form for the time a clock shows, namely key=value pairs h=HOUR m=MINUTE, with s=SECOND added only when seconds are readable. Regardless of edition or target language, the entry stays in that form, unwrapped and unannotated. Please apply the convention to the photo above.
h=10 m=45
